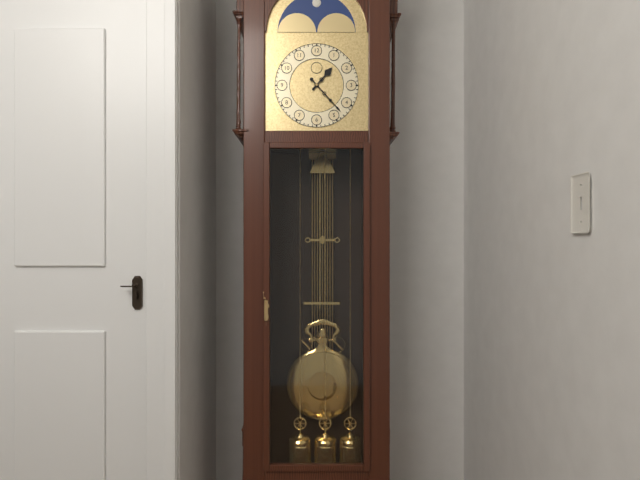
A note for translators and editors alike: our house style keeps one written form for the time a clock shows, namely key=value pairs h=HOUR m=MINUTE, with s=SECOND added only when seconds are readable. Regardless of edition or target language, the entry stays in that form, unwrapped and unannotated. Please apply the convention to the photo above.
h=1 m=23
